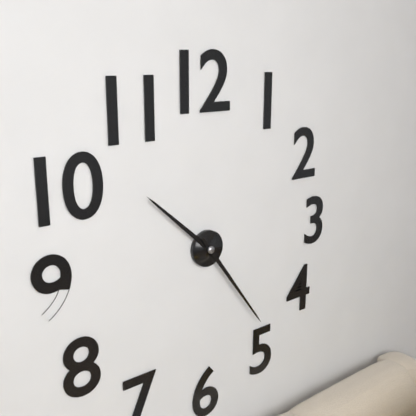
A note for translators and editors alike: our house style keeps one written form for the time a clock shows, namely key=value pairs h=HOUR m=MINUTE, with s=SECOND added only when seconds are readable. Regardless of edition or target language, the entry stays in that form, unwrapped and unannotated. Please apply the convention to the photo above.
h=10 m=24
